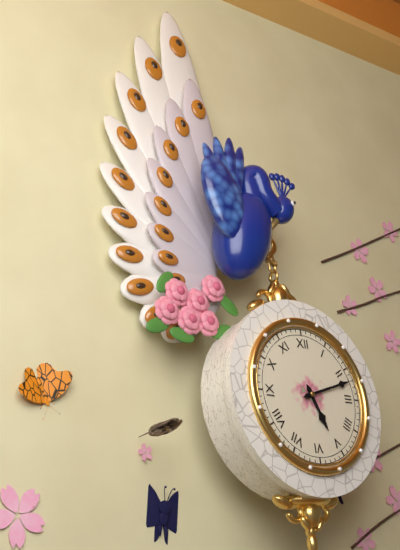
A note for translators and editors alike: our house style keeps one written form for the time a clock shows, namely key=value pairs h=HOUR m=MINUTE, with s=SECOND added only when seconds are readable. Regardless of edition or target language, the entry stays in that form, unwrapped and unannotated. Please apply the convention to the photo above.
h=5 m=12
